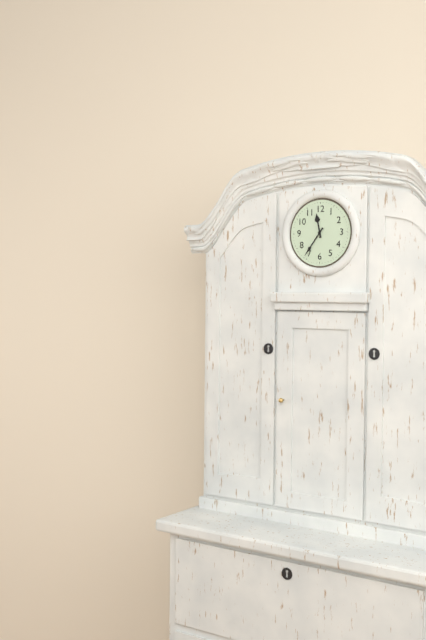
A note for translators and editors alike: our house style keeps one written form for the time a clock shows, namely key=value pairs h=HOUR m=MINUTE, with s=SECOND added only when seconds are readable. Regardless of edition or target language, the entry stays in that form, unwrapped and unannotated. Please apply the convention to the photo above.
h=11 m=36
